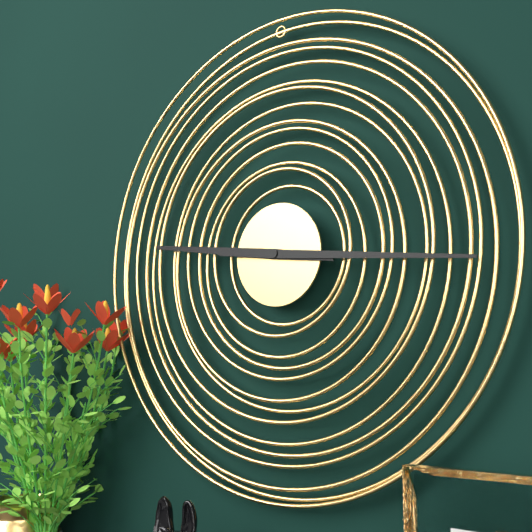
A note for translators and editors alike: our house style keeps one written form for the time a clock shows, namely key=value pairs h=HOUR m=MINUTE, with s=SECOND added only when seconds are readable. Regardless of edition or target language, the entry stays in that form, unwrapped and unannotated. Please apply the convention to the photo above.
h=9 m=16
